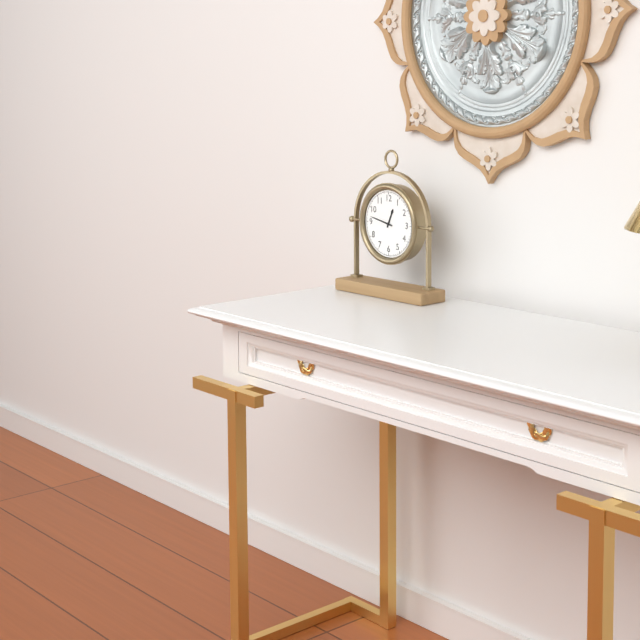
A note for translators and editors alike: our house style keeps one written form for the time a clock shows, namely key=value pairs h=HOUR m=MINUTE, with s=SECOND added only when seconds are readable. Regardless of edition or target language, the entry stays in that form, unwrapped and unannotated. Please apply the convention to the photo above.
h=12 m=47
